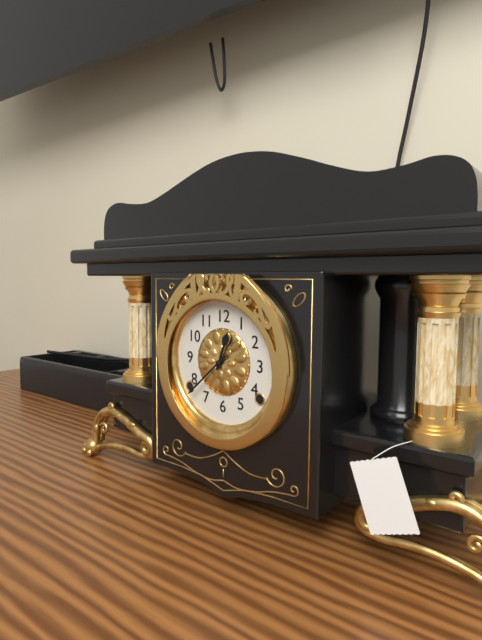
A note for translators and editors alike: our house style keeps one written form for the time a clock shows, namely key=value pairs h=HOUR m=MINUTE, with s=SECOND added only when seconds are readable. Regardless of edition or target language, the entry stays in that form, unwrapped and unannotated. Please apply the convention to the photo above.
h=12 m=38
